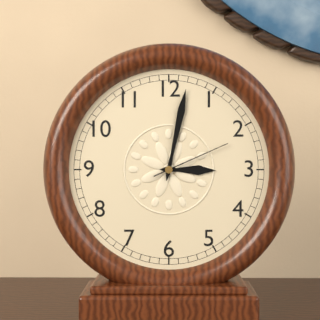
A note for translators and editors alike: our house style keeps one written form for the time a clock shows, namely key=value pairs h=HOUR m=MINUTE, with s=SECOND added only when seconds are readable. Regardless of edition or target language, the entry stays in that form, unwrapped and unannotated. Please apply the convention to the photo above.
h=3 m=2 s=11
